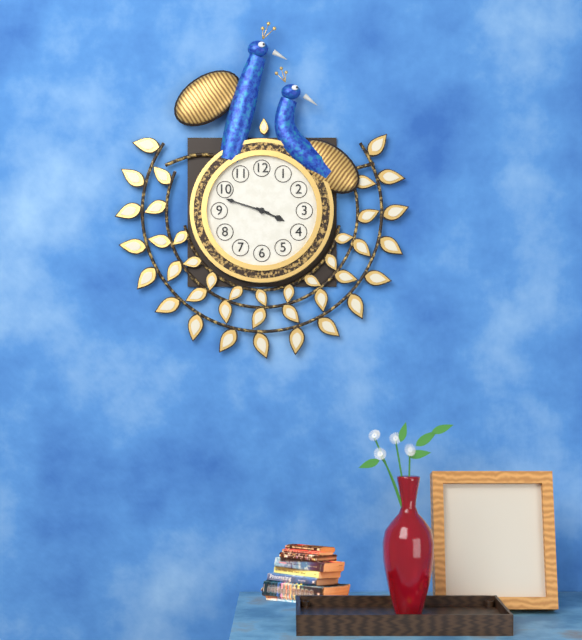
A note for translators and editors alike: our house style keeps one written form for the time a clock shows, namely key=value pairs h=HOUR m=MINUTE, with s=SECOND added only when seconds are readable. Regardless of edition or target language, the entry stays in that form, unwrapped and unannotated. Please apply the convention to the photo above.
h=3 m=48
